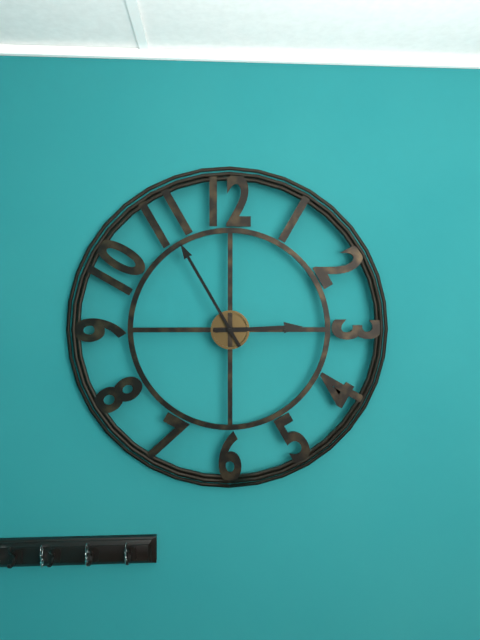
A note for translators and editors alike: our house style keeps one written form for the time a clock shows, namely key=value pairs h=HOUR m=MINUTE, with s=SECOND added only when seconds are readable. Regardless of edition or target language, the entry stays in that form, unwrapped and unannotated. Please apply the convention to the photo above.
h=2 m=55
